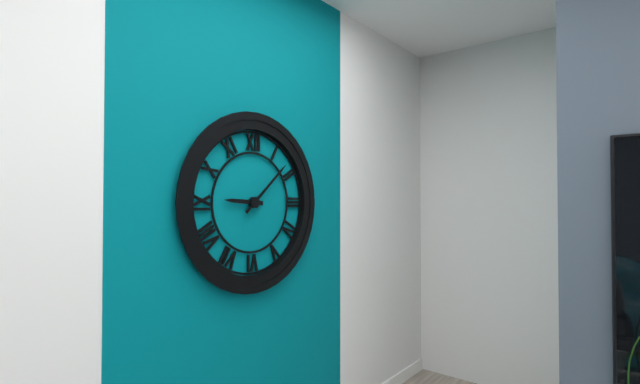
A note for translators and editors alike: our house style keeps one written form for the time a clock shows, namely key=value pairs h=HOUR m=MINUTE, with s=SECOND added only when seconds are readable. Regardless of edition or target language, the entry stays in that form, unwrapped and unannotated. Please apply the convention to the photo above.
h=9 m=8
